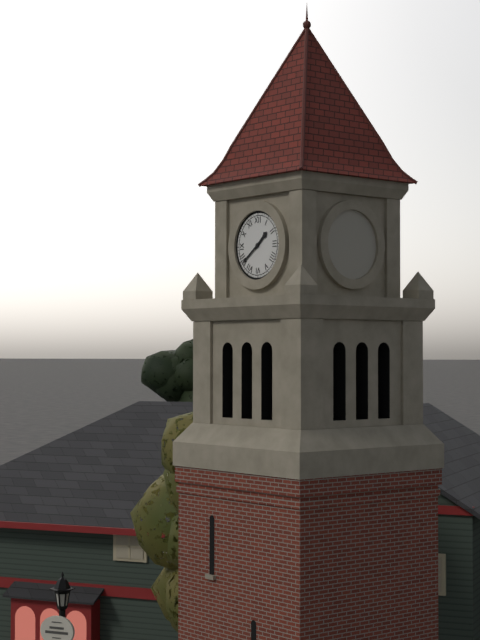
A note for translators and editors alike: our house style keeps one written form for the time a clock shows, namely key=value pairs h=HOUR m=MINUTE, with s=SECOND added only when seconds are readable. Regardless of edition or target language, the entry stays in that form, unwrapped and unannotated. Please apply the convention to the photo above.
h=1 m=39
